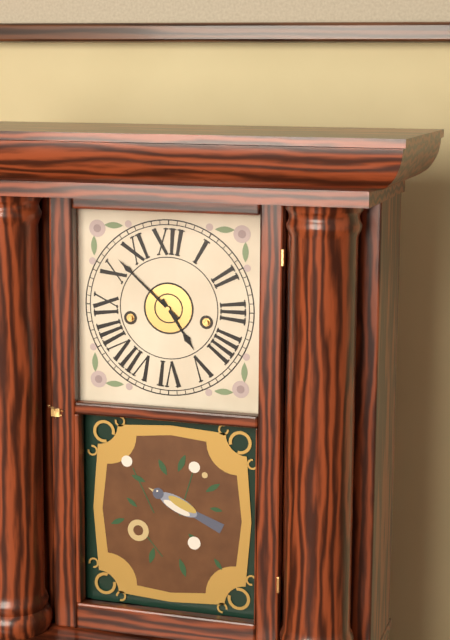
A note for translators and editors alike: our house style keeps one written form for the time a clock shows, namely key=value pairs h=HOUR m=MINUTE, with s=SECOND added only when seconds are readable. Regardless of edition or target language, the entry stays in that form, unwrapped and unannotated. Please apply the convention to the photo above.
h=4 m=52
